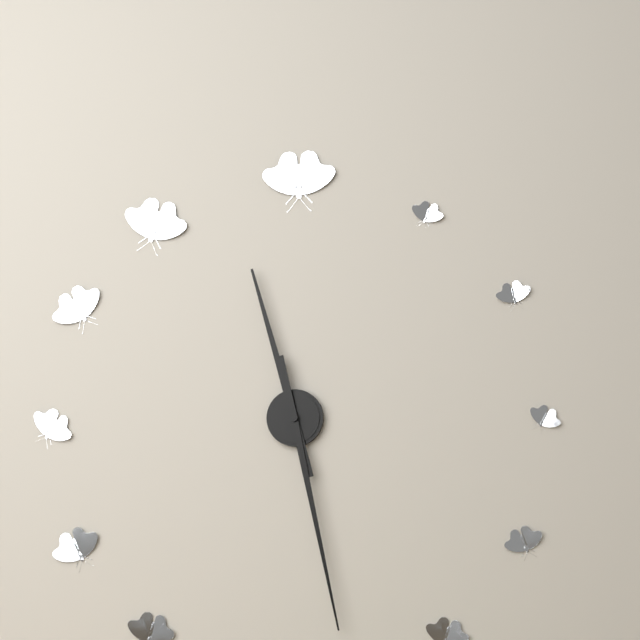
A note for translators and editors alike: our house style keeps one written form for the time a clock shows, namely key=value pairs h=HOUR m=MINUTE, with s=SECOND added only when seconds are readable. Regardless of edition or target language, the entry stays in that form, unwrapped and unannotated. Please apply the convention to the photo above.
h=11 m=28
